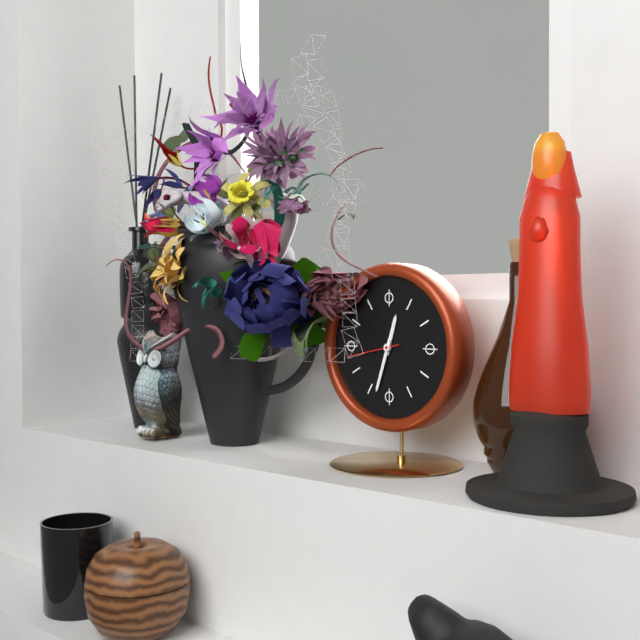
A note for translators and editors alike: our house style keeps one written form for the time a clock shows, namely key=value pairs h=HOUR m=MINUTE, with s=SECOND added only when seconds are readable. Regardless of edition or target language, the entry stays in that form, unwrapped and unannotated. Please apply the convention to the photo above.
h=12 m=33
